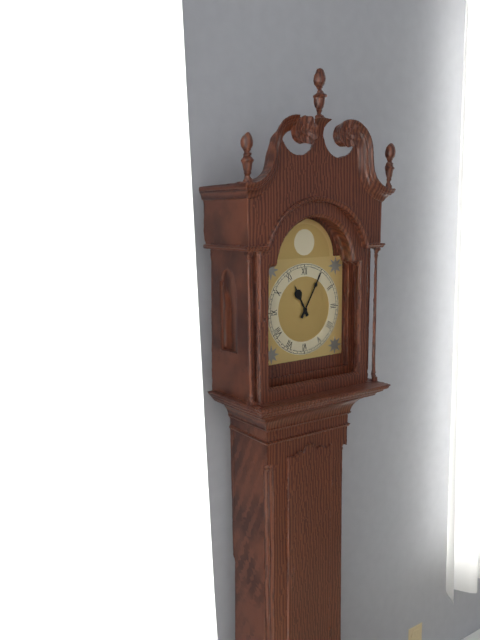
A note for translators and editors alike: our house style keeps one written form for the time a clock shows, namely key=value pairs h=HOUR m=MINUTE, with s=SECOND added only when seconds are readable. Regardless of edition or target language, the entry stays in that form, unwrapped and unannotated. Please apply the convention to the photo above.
h=11 m=5
